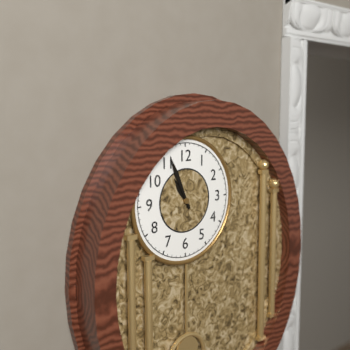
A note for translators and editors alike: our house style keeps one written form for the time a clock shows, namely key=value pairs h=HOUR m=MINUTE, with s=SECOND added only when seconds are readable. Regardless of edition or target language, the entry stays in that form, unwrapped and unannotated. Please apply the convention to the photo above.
h=10 m=56
